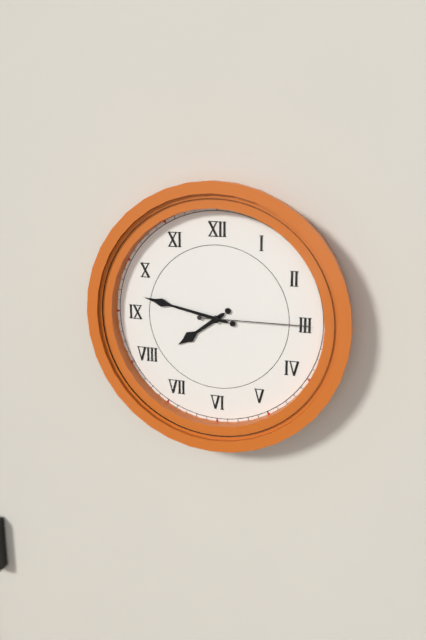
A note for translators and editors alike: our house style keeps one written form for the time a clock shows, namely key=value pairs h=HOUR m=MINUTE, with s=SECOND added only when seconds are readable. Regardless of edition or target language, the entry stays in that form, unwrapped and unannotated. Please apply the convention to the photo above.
h=7 m=47 s=15
